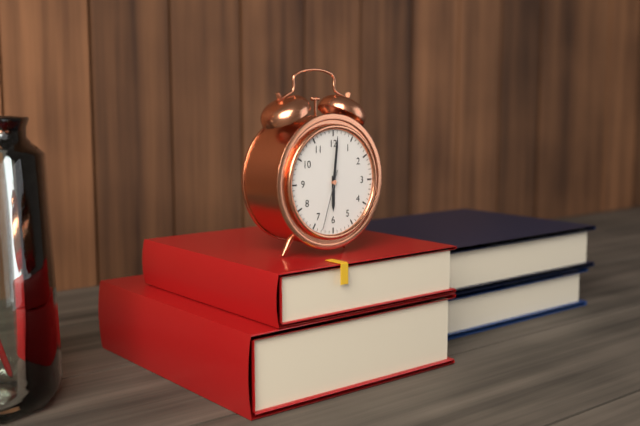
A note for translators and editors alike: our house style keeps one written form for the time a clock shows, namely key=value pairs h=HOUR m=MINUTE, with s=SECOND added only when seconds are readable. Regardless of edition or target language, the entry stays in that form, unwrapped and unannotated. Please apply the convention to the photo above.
h=6 m=1 s=33
